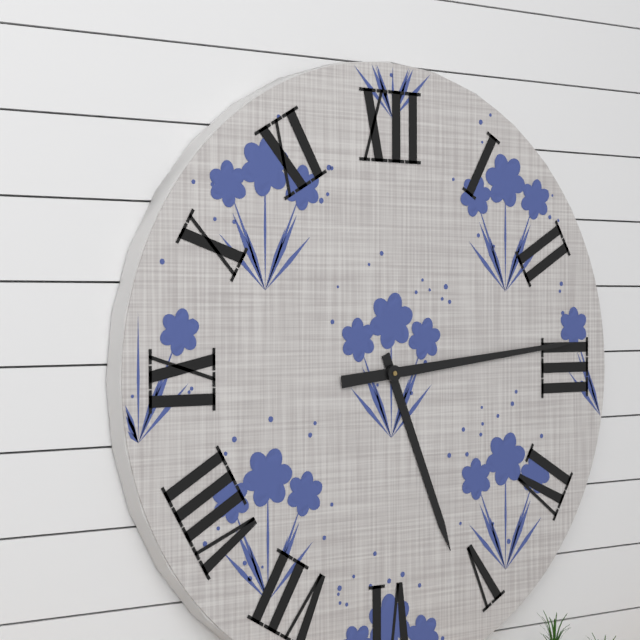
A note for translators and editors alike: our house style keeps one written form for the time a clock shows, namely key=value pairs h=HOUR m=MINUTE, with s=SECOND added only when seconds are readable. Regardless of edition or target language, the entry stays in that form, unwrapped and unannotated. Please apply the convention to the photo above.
h=5 m=14
